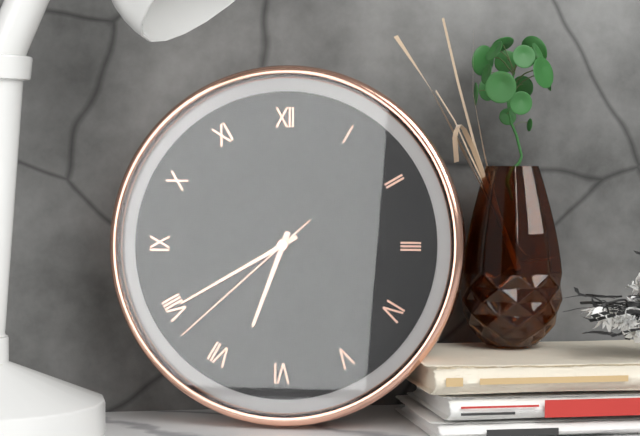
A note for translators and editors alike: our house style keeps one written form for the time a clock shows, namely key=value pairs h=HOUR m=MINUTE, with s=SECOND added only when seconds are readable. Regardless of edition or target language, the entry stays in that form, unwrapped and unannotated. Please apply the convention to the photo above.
h=6 m=40 s=38
